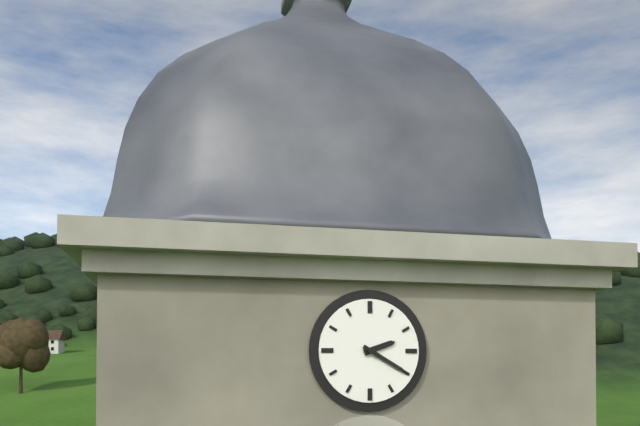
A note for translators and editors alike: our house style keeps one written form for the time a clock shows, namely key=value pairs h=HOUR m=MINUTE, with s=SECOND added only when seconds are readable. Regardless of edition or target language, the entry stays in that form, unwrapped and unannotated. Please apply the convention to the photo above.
h=2 m=20
